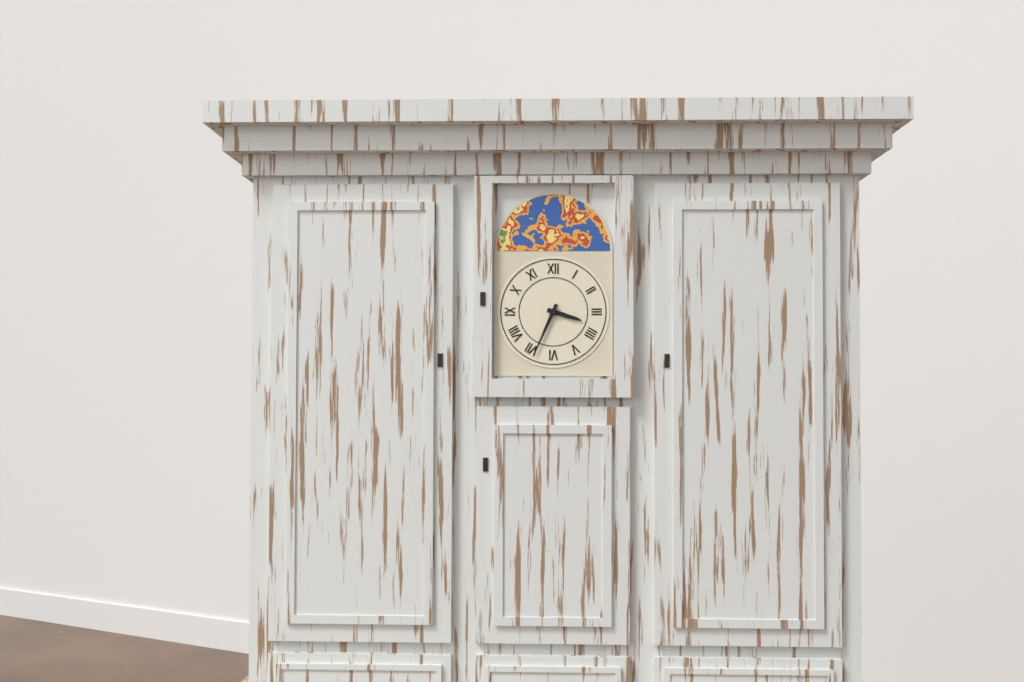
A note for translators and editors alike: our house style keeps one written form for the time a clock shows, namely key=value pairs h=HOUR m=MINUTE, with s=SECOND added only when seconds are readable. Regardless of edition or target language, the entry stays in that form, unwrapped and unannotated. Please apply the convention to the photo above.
h=3 m=34
